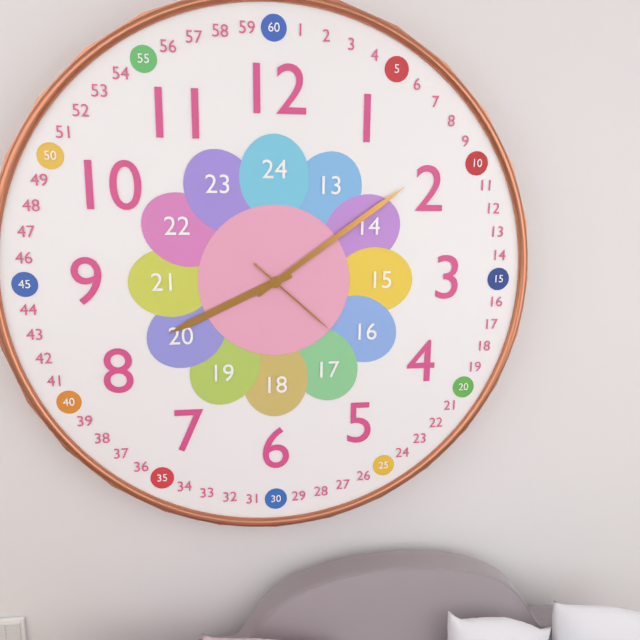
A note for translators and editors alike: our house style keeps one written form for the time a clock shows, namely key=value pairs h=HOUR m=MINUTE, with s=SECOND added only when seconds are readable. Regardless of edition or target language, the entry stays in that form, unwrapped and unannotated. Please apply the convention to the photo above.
h=8 m=9 s=22
